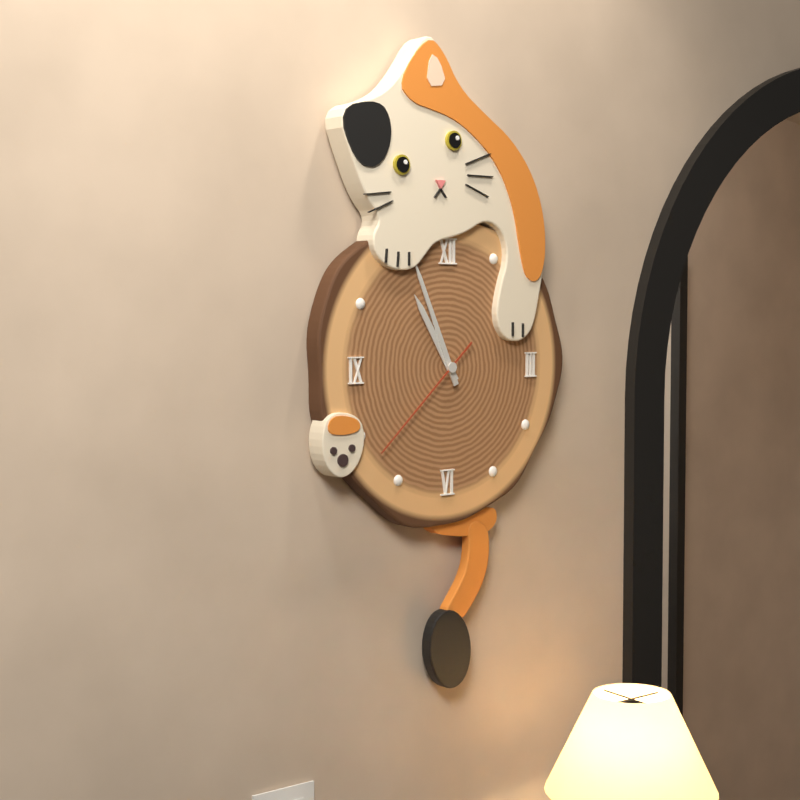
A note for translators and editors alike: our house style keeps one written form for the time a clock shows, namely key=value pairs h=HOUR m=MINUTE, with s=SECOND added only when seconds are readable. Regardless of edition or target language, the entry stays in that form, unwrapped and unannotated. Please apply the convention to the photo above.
h=10 m=56 s=38
